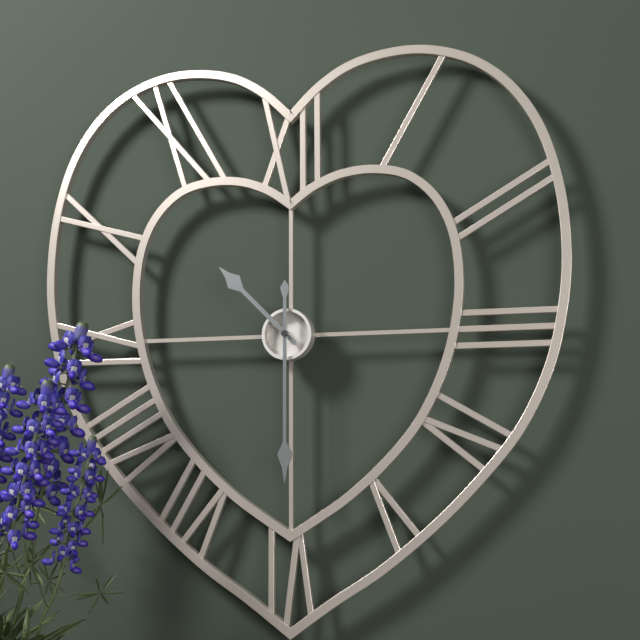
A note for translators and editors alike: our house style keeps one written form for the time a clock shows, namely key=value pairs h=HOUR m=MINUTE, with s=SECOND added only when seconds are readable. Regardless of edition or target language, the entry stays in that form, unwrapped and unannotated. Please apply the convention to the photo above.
h=10 m=30
